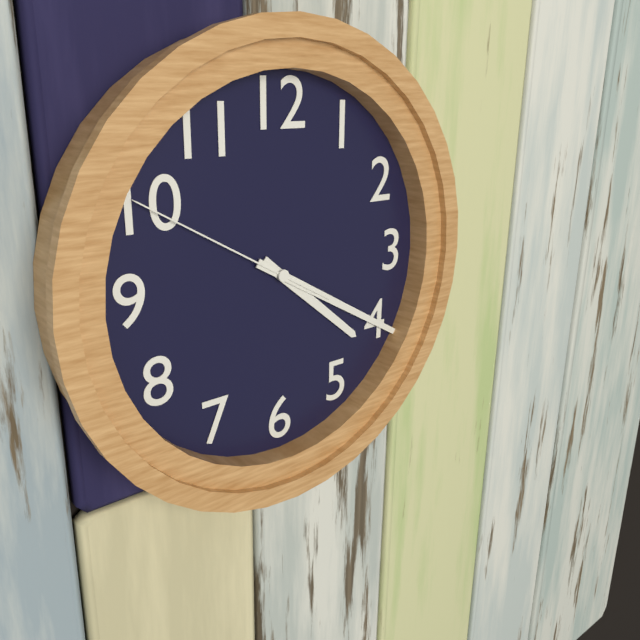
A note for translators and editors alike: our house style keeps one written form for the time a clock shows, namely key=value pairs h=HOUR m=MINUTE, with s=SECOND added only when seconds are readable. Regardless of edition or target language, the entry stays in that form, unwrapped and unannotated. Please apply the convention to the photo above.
h=4 m=20 s=50
